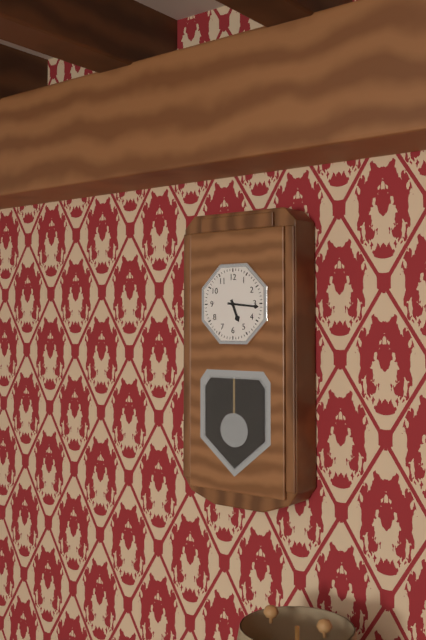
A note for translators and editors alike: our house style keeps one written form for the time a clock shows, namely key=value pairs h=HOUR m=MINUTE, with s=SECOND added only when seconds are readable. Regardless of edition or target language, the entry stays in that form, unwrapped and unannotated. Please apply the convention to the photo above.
h=5 m=16
